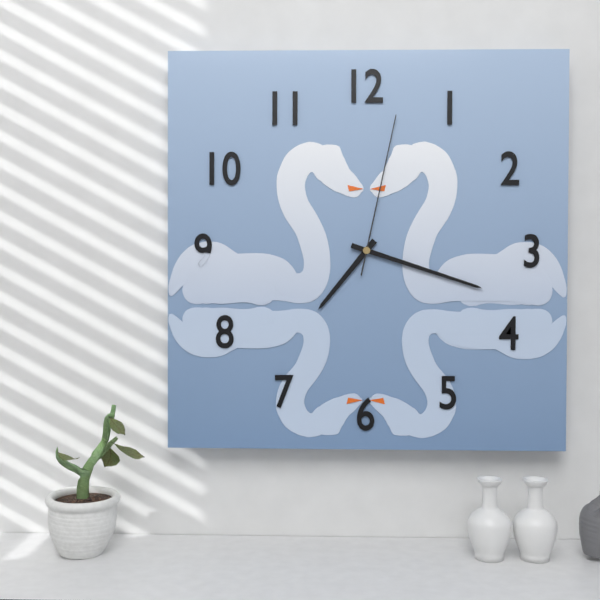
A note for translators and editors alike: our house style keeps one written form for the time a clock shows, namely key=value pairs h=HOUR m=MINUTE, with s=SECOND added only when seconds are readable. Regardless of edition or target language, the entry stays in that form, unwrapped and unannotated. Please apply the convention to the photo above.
h=7 m=18 s=2
